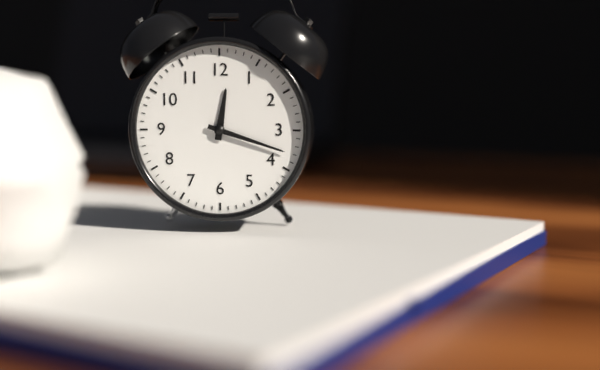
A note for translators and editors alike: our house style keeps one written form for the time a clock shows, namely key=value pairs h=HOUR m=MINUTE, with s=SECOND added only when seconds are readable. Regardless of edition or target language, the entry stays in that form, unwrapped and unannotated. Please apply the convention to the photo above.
h=12 m=18
